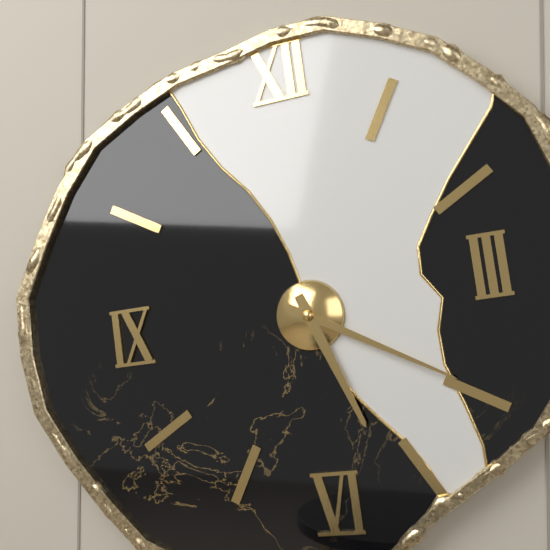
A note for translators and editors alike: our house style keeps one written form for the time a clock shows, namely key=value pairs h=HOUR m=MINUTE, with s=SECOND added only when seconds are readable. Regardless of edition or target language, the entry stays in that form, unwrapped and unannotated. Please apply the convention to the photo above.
h=5 m=20
